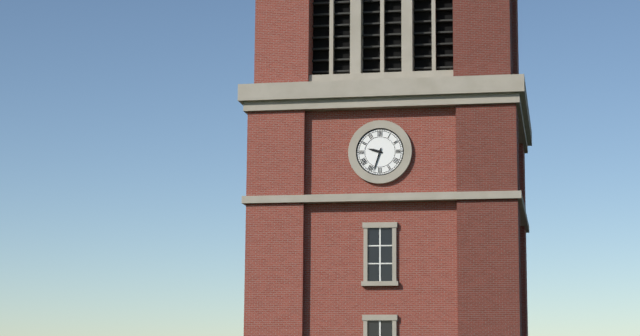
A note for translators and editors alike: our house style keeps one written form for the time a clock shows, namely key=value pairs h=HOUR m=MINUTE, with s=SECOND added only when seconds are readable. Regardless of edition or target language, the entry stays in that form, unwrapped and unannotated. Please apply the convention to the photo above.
h=9 m=33
